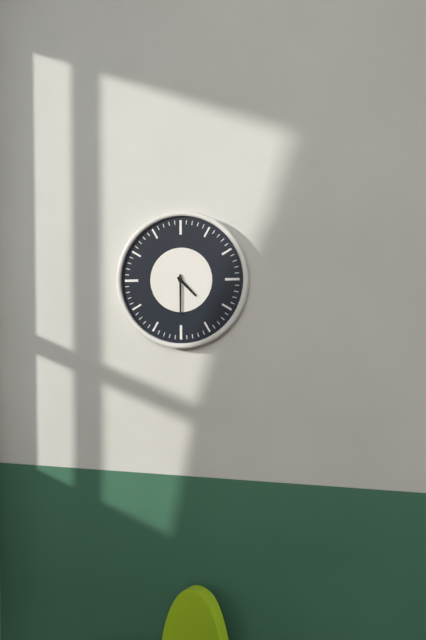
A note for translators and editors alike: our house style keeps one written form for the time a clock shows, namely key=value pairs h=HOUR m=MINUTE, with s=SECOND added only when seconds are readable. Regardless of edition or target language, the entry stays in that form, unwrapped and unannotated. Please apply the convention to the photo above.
h=4 m=30
